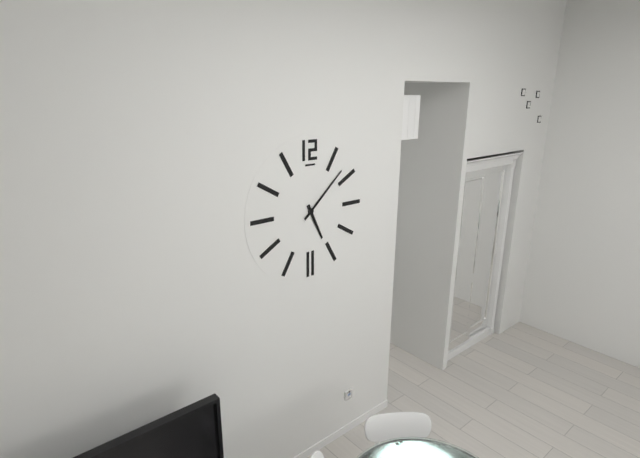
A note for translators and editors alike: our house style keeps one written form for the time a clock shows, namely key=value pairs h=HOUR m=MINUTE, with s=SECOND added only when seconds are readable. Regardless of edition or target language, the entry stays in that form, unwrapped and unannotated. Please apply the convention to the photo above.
h=5 m=8
